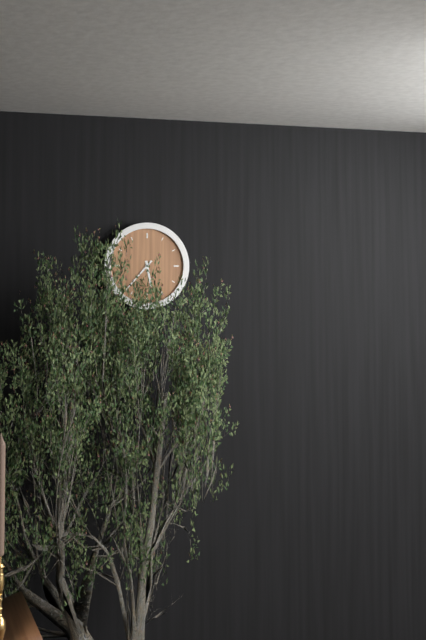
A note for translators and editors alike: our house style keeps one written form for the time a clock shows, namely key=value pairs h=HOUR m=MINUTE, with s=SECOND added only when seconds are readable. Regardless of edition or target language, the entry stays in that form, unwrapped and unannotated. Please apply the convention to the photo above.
h=5 m=37
